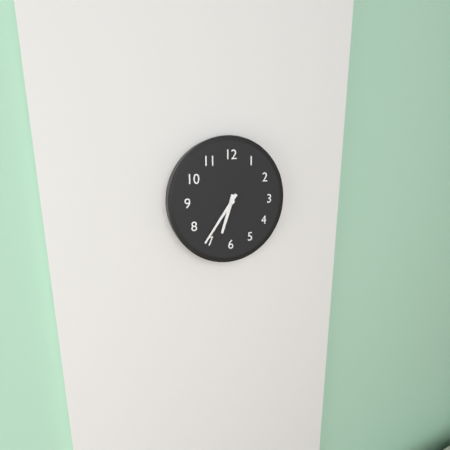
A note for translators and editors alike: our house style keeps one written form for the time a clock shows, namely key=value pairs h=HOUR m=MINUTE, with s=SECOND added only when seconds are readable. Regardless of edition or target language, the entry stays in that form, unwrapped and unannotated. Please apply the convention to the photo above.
h=6 m=36
